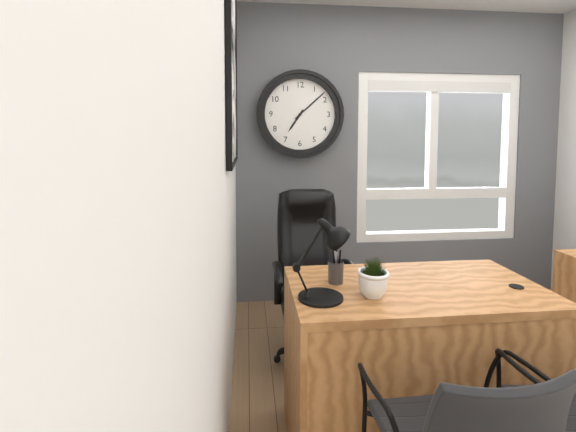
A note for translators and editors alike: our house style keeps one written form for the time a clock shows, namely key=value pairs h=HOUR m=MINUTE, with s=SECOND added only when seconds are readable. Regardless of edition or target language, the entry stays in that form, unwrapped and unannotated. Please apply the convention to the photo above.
h=7 m=8
